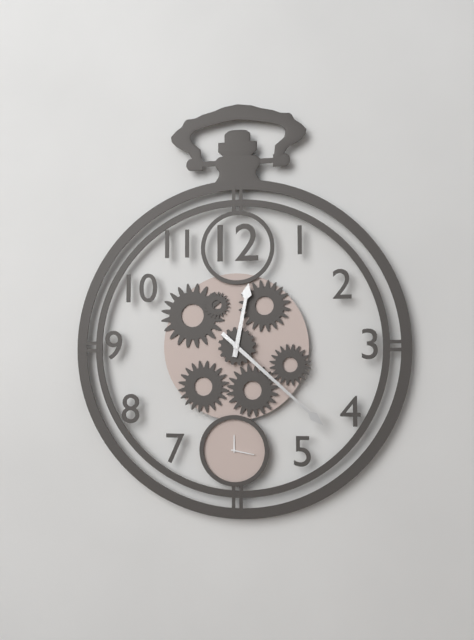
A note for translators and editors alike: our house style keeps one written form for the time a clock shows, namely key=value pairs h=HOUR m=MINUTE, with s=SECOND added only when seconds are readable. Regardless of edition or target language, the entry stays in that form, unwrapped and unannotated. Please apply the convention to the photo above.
h=12 m=22
